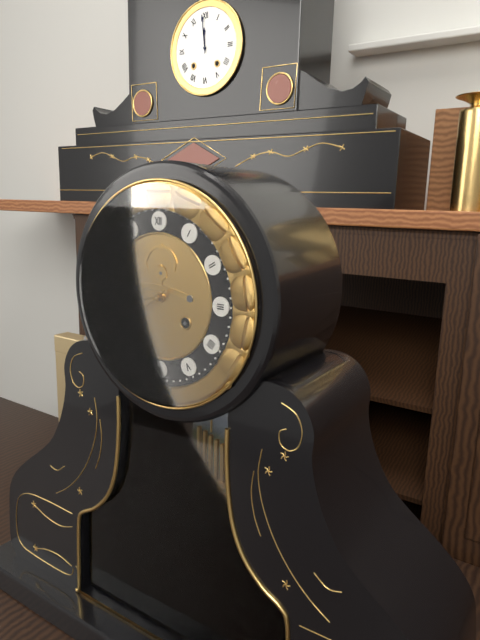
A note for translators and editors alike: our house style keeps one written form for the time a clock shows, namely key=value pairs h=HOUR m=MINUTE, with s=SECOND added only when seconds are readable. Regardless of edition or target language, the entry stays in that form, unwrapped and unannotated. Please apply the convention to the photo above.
h=8 m=39
